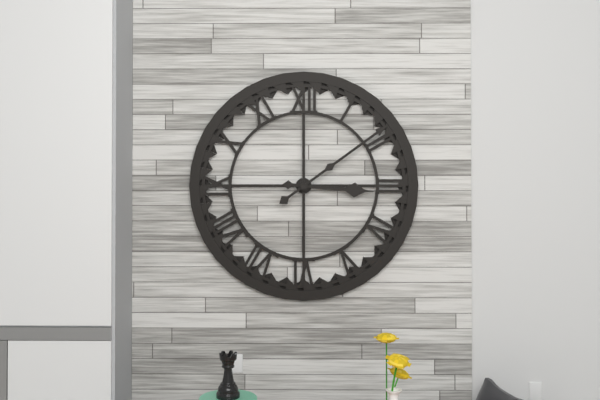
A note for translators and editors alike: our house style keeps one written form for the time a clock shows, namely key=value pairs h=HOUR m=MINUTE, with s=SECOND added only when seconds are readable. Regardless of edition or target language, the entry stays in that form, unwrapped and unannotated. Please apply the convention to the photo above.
h=3 m=9
